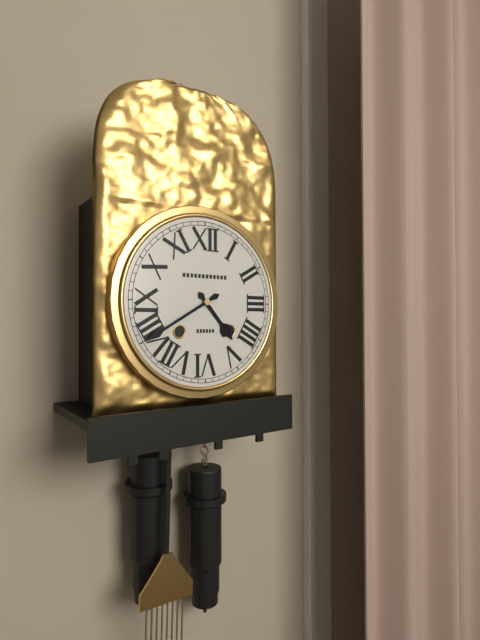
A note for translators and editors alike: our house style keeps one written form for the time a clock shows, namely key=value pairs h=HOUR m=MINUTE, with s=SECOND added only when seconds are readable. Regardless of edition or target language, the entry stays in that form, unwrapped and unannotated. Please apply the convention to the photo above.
h=4 m=40
